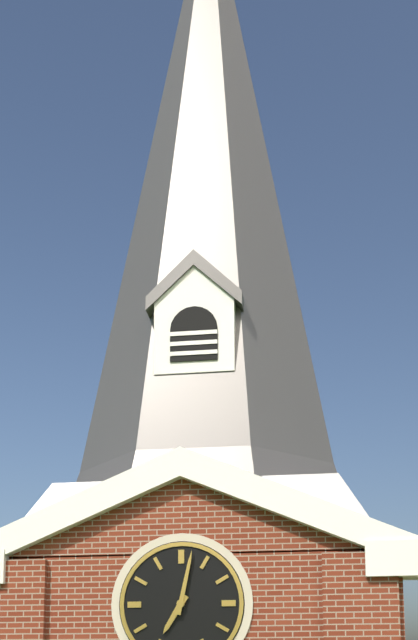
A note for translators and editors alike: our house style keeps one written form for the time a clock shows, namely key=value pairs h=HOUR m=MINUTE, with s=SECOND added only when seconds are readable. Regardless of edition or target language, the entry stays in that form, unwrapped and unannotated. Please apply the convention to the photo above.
h=7 m=2
